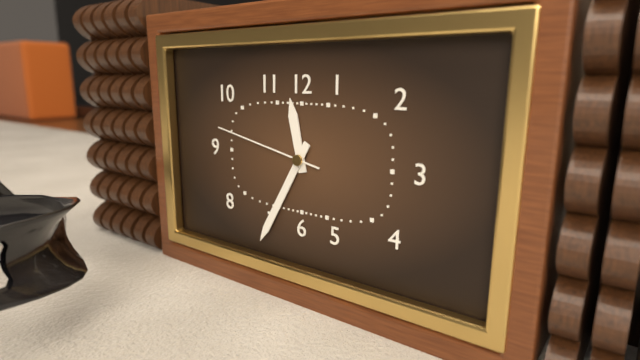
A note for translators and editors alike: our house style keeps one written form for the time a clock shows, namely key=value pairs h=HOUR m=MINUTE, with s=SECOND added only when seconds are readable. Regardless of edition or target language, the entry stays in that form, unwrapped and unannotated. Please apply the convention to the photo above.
h=11 m=35 s=47
